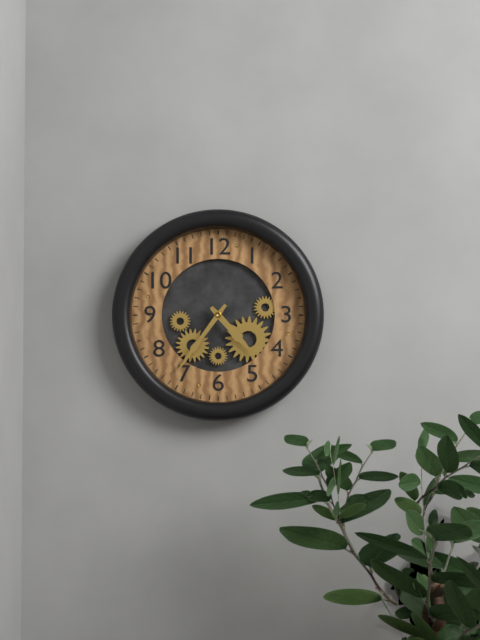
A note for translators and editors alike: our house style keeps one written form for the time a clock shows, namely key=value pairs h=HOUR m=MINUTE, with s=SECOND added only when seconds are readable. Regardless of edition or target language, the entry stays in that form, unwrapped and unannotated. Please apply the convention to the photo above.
h=4 m=36
